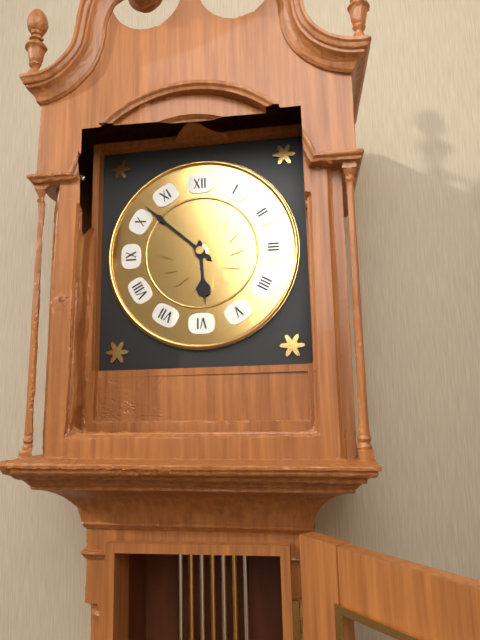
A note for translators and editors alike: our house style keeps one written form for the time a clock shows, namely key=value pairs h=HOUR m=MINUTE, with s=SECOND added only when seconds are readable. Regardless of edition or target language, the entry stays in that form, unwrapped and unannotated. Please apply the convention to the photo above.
h=5 m=52
